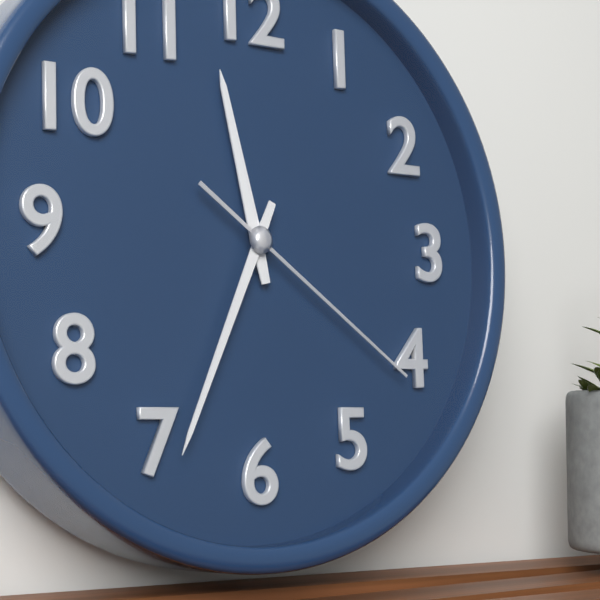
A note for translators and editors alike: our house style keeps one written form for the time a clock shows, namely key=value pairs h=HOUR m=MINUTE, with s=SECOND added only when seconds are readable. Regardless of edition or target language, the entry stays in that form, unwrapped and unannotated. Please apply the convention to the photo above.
h=11 m=34 s=21
